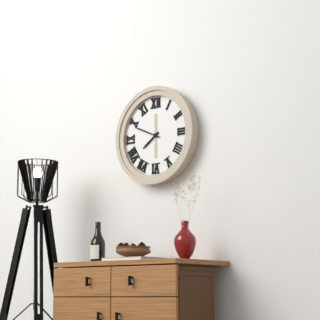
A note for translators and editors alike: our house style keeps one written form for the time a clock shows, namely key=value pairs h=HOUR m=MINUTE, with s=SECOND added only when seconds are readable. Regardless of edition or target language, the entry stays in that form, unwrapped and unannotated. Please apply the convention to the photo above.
h=7 m=49
